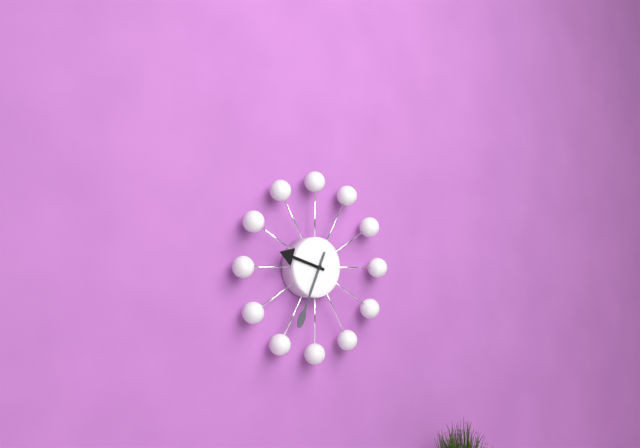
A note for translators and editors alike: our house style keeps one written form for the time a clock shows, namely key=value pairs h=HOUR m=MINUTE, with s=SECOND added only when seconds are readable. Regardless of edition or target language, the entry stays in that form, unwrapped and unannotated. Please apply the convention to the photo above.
h=9 m=34
